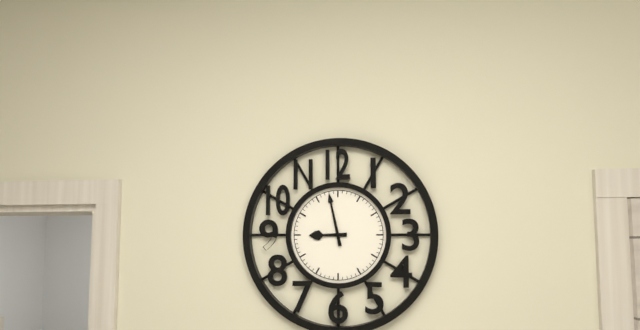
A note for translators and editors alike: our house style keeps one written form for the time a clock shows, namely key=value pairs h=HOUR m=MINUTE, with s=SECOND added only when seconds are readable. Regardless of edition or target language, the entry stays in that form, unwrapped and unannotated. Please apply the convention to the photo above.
h=8 m=58
